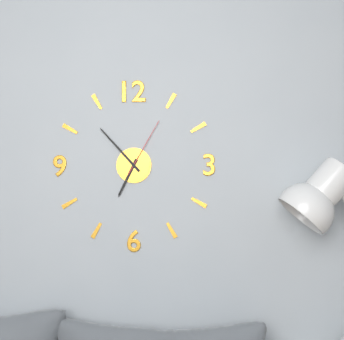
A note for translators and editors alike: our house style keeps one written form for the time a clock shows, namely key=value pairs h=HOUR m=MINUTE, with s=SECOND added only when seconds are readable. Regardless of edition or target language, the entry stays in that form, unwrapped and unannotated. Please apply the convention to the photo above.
h=6 m=53 s=5
